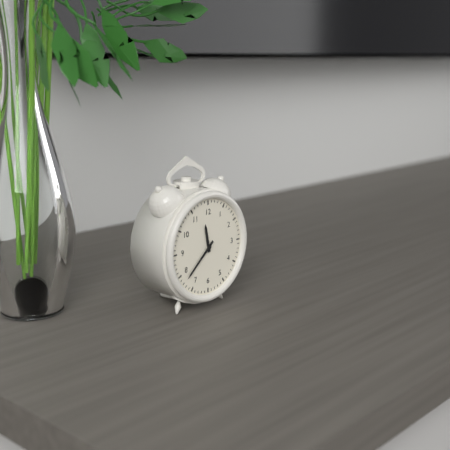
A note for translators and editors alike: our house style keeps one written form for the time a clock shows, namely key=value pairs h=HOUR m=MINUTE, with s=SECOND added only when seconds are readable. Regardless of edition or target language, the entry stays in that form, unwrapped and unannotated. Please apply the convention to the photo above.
h=11 m=38
